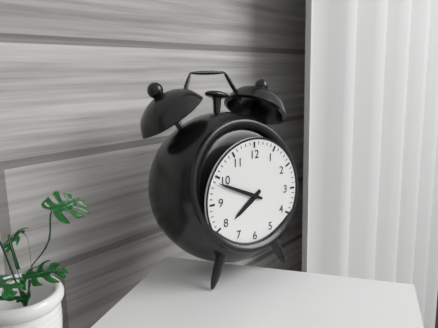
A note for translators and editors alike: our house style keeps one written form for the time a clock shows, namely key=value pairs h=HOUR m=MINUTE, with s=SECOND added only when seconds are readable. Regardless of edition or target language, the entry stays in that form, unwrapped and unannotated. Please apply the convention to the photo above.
h=7 m=49
